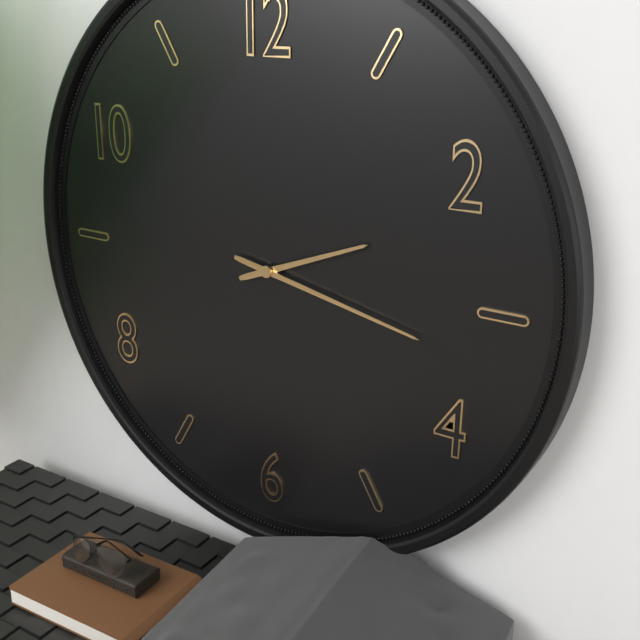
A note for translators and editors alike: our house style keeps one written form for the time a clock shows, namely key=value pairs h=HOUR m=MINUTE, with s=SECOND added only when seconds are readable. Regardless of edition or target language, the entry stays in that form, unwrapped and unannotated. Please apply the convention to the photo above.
h=2 m=17
